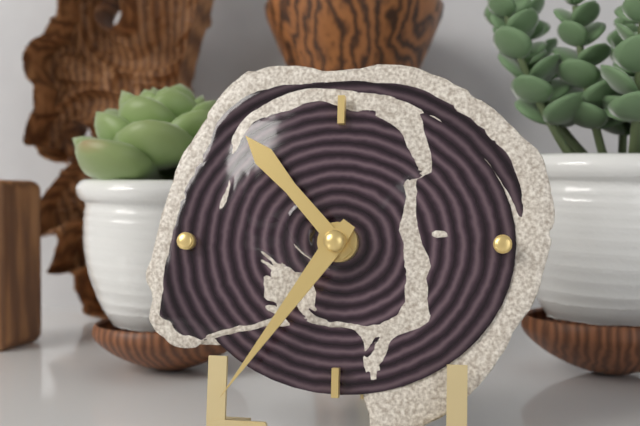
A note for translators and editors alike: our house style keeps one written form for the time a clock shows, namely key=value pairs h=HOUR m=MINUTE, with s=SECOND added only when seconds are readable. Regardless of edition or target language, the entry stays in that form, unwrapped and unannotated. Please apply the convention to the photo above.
h=10 m=36
